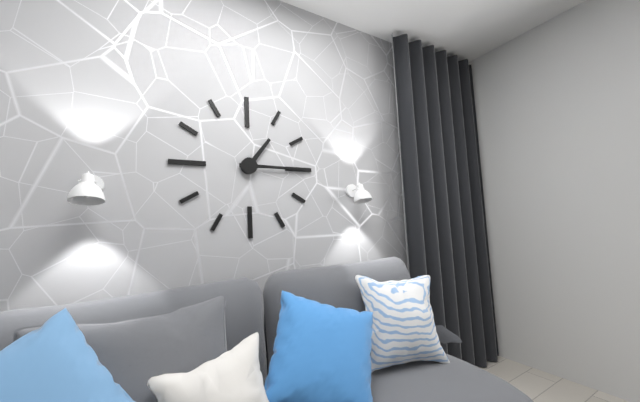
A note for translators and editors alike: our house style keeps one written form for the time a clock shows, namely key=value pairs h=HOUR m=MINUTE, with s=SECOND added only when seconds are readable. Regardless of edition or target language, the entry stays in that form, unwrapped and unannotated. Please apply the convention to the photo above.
h=1 m=15
